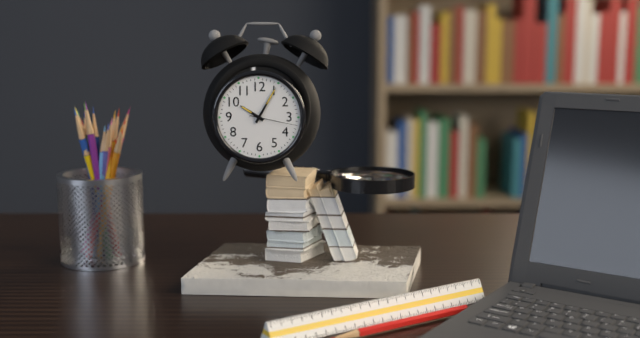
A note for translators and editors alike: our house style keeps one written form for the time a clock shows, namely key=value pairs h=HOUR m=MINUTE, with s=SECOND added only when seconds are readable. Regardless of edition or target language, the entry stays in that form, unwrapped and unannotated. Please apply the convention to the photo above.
h=10 m=5
